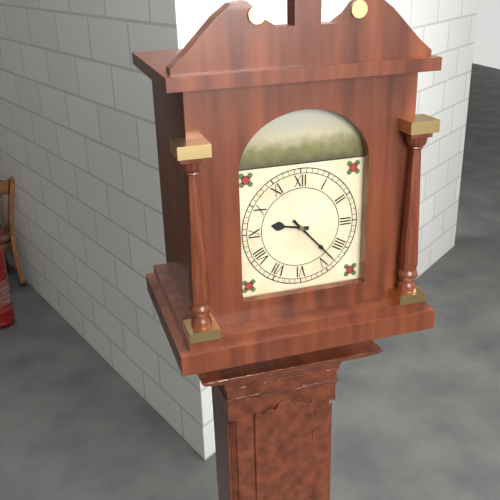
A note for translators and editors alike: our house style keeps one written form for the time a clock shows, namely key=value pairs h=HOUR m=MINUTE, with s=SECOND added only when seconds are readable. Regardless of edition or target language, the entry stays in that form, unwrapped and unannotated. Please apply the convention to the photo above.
h=9 m=23
